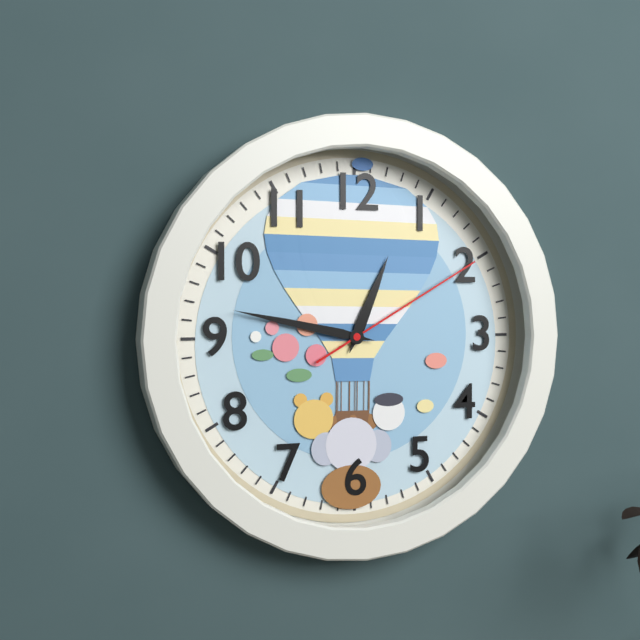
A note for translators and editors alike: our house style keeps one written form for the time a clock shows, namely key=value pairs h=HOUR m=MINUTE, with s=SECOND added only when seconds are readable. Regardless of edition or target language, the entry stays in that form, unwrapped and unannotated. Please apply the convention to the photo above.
h=12 m=47 s=10
